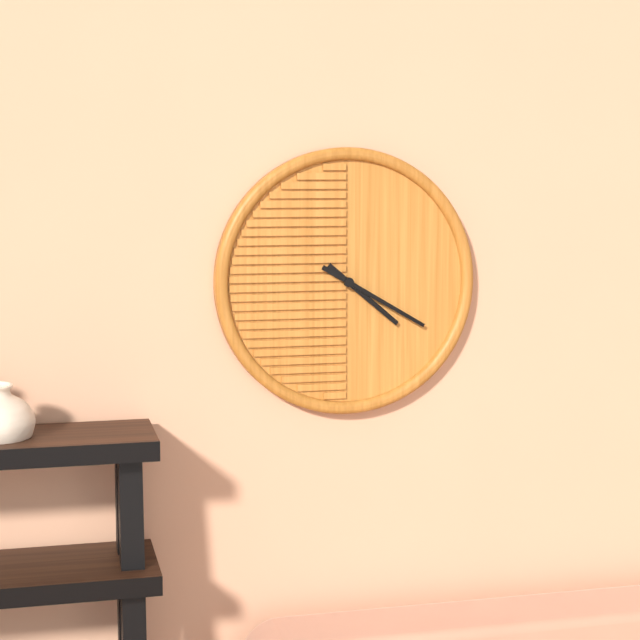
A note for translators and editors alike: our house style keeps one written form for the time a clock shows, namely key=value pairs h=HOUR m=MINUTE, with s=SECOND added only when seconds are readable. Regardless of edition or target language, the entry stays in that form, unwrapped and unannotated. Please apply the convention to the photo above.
h=4 m=20
